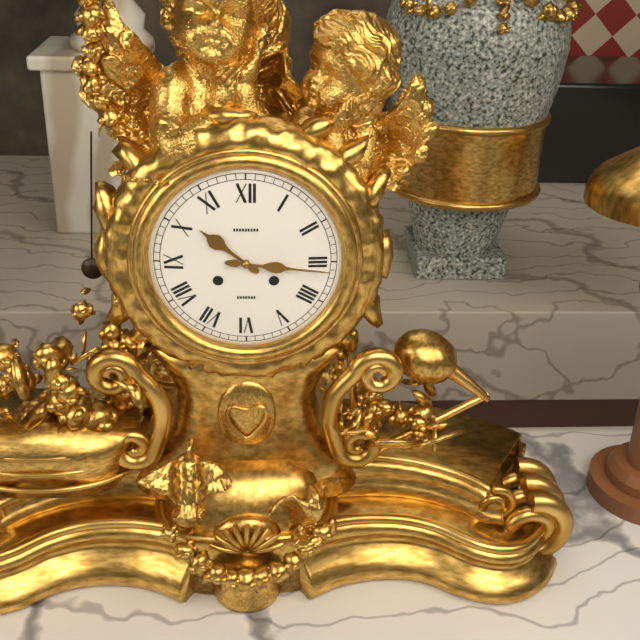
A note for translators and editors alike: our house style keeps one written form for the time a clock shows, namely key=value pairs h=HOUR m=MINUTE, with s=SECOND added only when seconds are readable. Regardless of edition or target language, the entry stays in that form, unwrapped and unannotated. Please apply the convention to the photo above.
h=10 m=16
